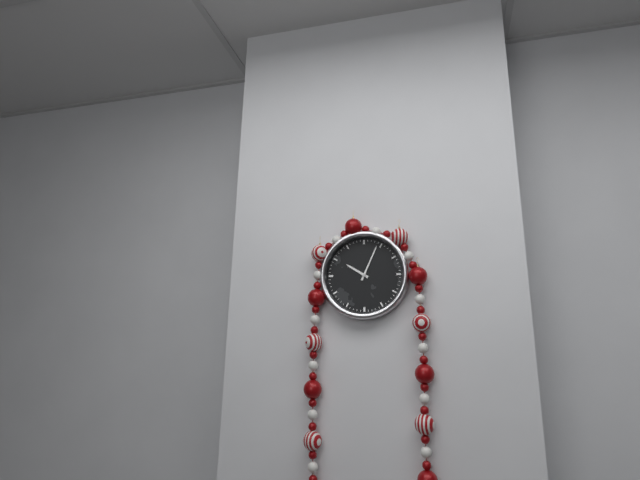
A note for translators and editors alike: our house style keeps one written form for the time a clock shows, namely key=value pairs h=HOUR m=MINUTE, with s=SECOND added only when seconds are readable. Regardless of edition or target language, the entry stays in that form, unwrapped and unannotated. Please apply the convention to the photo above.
h=10 m=4
